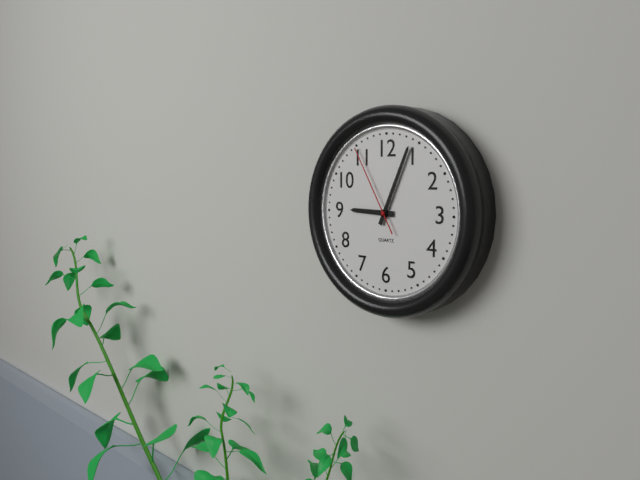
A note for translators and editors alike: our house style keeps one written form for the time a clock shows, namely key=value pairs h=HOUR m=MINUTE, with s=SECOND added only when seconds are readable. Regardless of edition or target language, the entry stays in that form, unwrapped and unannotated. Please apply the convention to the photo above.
h=9 m=4 s=55
